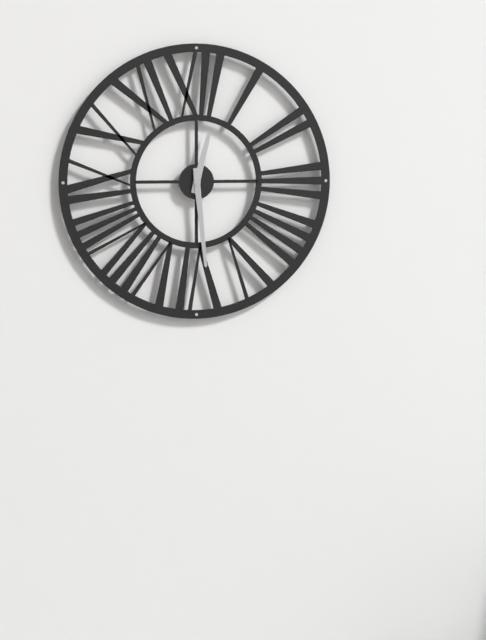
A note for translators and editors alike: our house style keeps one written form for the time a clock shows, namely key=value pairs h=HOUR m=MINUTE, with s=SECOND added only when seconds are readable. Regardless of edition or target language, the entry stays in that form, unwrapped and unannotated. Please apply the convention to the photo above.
h=12 m=29
